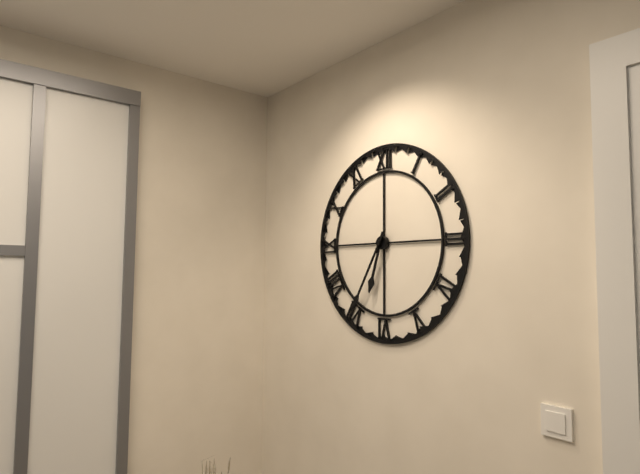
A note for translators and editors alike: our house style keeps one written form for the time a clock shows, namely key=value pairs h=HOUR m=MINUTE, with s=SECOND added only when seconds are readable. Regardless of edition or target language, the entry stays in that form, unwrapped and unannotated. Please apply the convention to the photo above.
h=6 m=35
